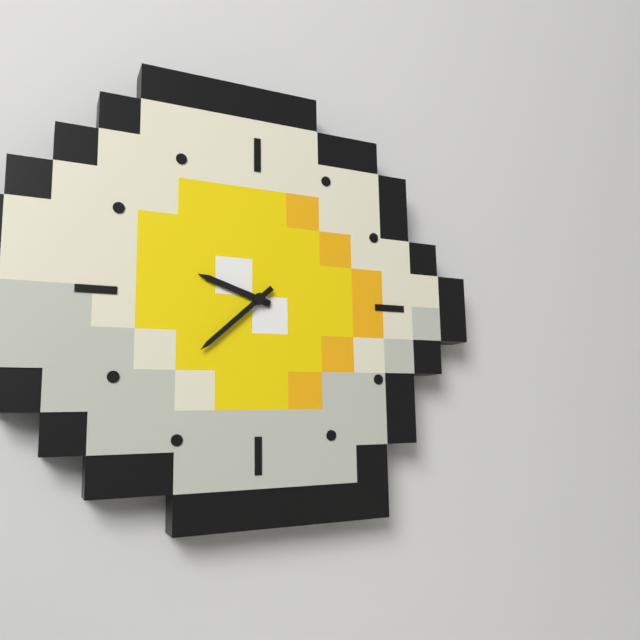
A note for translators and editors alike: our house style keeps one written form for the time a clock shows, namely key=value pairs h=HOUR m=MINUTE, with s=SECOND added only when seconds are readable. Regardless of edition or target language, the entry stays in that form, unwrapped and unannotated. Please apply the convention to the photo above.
h=9 m=38
